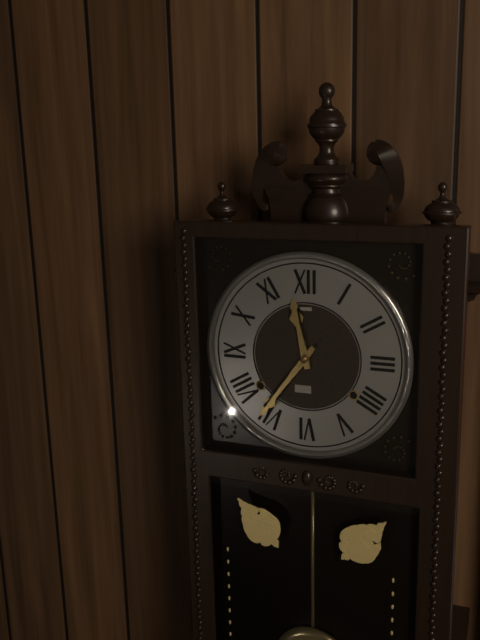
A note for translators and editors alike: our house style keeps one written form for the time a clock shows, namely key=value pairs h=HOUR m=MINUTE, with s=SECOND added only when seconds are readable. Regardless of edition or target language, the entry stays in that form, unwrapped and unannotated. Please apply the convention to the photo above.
h=11 m=36
